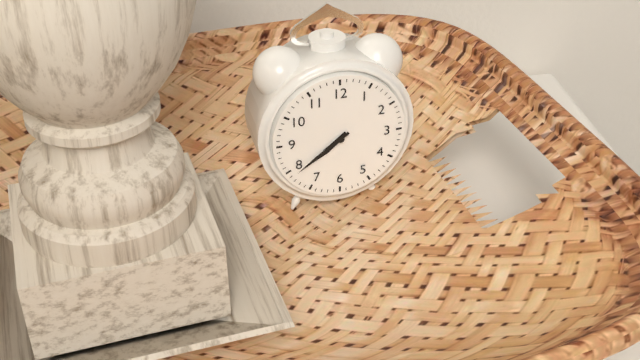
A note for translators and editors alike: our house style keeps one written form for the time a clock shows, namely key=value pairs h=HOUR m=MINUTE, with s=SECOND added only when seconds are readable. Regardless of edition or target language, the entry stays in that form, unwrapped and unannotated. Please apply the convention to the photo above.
h=7 m=39
